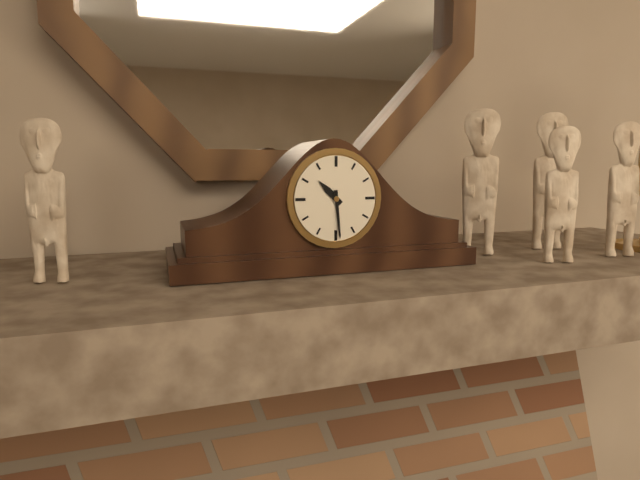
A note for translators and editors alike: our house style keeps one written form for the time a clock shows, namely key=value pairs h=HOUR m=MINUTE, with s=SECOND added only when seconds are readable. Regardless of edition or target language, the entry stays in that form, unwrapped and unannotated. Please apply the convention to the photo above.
h=10 m=29
